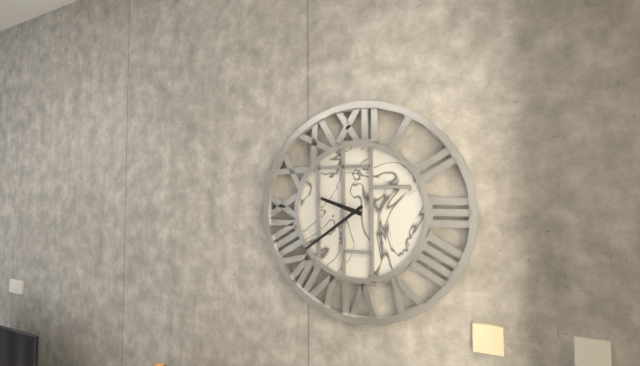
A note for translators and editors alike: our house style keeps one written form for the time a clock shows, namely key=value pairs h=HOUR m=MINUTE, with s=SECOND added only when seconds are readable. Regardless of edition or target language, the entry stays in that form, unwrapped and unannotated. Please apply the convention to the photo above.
h=9 m=39
